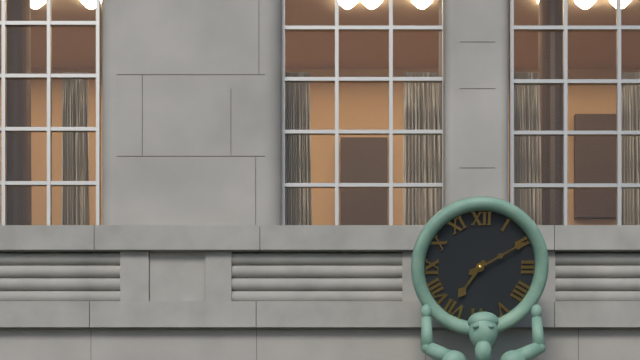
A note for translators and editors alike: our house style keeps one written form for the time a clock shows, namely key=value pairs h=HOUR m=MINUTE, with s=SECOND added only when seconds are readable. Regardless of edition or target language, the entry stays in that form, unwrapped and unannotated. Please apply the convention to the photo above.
h=7 m=10
